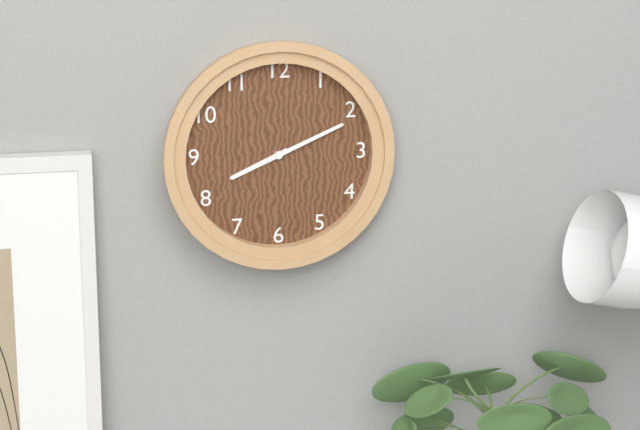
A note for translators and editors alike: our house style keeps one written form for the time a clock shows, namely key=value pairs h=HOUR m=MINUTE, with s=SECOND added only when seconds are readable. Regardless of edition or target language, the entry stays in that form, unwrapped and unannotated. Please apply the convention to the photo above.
h=8 m=11
